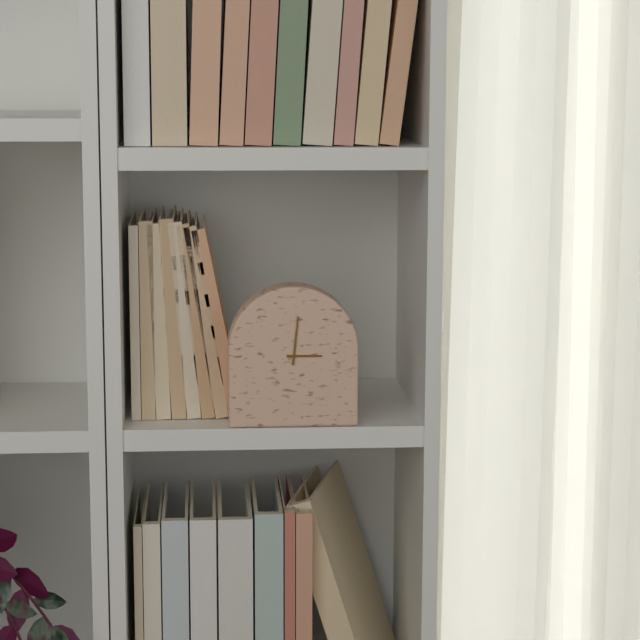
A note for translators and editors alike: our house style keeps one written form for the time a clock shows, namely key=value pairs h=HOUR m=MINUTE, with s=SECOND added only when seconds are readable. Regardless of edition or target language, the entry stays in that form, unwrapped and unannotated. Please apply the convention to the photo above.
h=3 m=1
